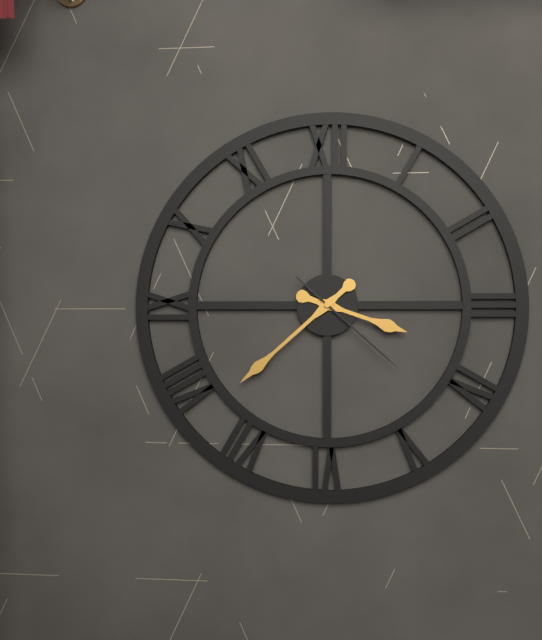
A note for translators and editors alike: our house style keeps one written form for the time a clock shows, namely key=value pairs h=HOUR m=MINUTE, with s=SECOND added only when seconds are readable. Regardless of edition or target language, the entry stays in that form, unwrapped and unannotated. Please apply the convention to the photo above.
h=3 m=38 s=22
